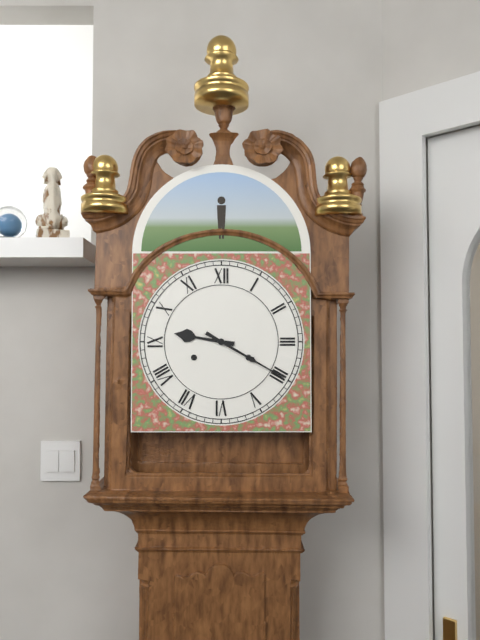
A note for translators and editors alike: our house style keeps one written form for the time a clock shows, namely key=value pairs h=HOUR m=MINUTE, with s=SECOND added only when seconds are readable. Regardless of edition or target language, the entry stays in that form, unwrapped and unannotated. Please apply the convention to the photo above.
h=9 m=20
